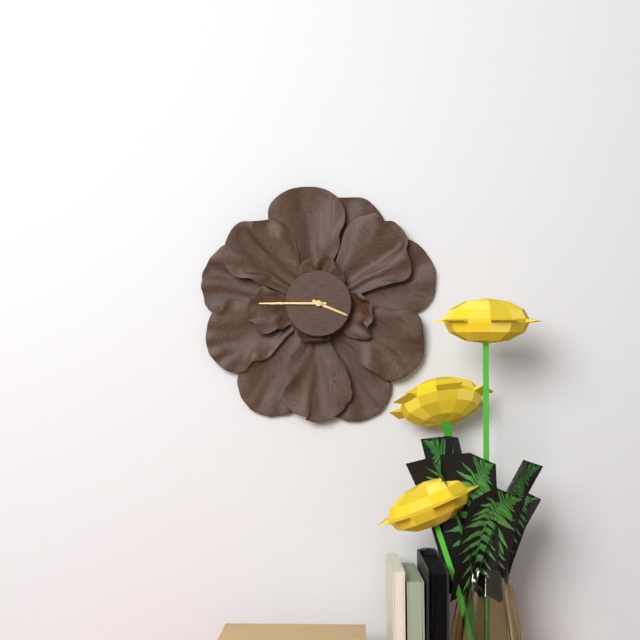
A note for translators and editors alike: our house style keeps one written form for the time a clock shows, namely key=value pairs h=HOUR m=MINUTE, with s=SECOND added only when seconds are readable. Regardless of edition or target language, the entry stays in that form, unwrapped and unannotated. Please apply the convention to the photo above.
h=3 m=45
